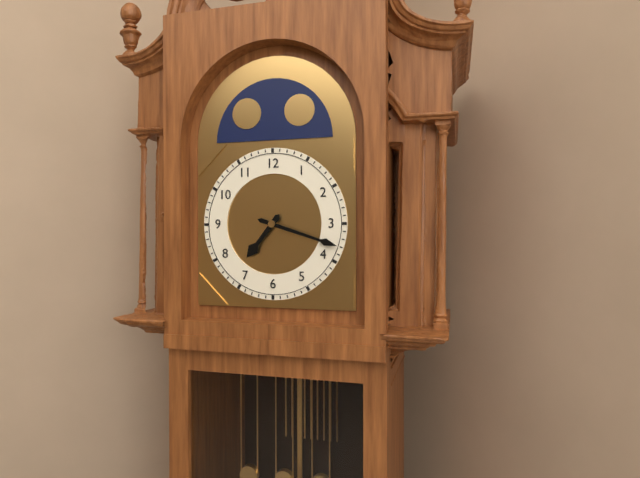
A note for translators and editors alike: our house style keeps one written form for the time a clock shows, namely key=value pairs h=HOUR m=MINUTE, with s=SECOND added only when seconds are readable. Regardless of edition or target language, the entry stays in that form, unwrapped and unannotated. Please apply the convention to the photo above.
h=7 m=18
